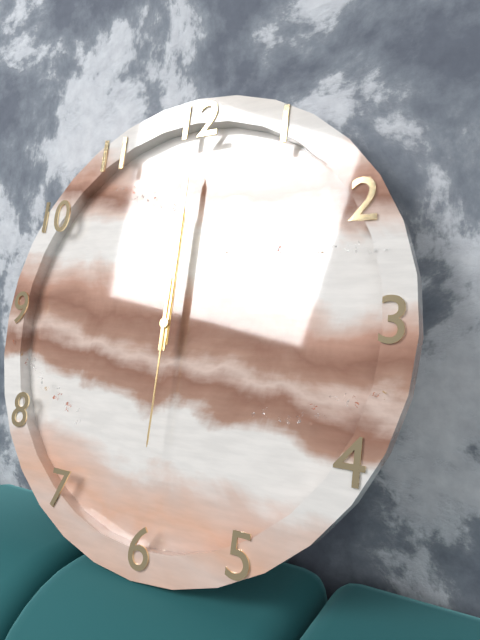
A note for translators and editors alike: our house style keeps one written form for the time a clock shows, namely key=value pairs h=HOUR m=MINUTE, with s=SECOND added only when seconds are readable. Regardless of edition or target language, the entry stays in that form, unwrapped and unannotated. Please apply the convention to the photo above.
h=12 m=0 s=30
